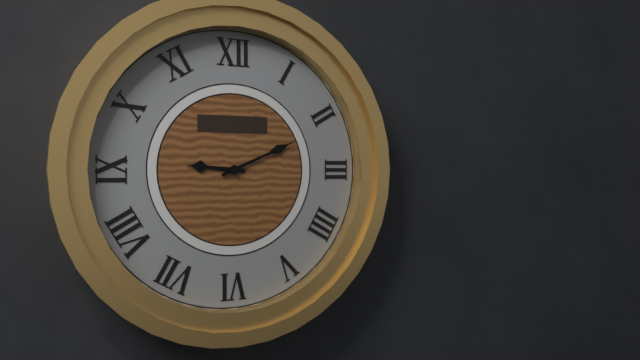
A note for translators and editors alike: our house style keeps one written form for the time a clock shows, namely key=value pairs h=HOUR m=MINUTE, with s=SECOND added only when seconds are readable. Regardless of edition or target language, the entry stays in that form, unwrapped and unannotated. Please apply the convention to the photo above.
h=9 m=11
